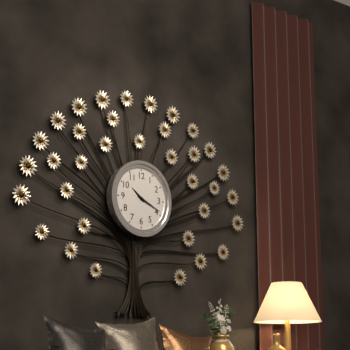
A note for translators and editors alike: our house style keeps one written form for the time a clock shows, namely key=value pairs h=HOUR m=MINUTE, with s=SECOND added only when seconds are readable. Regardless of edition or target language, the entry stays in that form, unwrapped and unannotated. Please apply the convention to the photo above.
h=10 m=19
